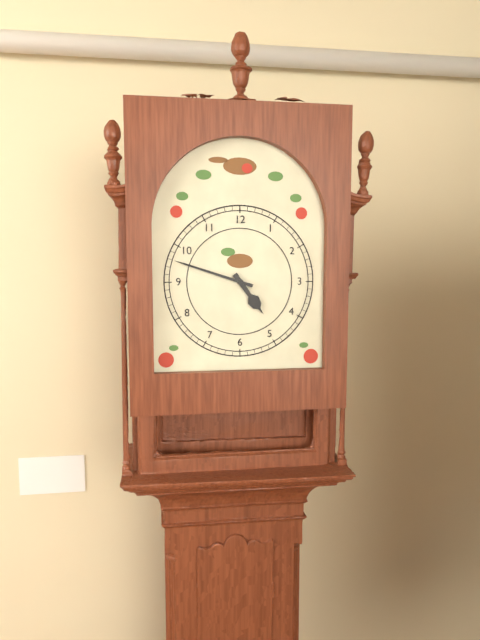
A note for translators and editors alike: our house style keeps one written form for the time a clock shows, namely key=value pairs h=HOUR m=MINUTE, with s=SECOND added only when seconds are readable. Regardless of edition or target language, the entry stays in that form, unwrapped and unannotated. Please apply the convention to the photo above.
h=4 m=48
